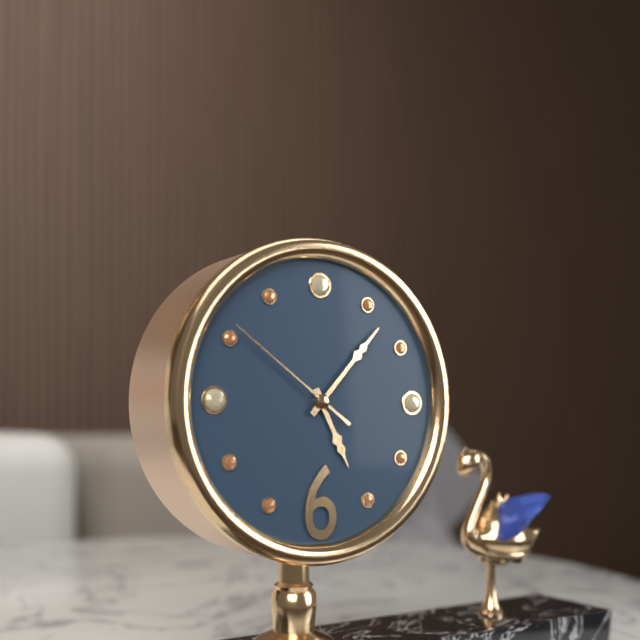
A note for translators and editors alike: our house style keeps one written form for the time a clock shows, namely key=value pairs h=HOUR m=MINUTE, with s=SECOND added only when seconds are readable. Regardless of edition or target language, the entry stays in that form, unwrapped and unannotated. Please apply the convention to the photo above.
h=5 m=7 s=51
